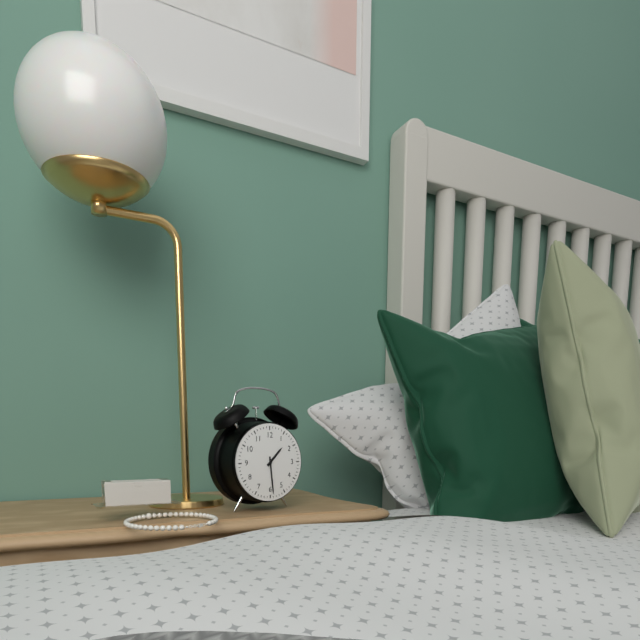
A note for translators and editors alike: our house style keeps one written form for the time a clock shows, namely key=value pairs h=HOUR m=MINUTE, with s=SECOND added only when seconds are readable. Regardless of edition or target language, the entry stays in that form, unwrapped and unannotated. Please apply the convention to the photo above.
h=1 m=29
